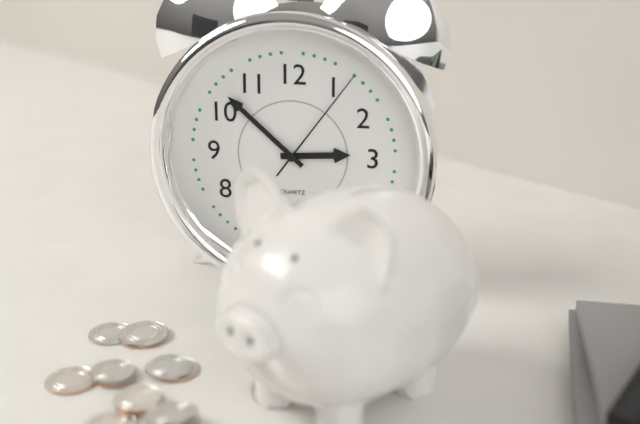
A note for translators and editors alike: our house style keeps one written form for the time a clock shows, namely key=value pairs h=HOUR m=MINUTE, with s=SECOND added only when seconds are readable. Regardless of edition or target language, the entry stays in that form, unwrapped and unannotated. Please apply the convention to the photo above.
h=2 m=52 s=6
